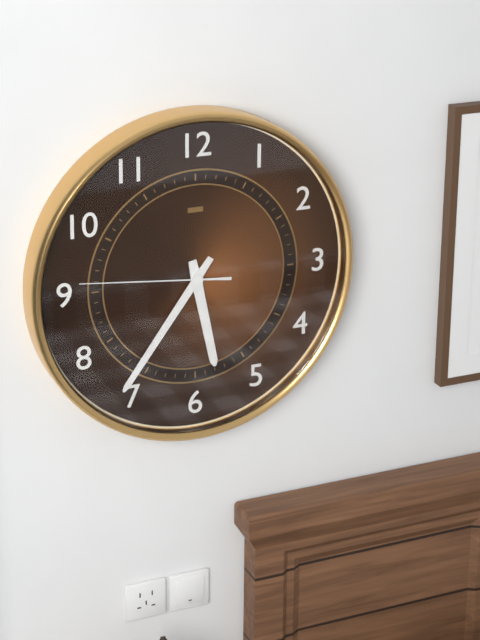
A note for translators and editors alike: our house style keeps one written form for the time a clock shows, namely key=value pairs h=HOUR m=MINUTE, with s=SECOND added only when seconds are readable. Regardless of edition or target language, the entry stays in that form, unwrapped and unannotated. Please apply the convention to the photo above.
h=5 m=36 s=46
